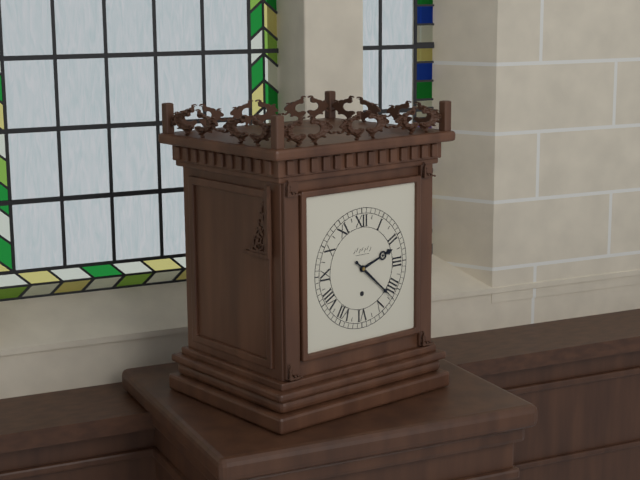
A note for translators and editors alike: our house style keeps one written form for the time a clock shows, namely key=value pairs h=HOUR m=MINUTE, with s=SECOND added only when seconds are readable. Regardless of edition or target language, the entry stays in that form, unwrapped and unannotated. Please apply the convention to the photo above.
h=2 m=22
